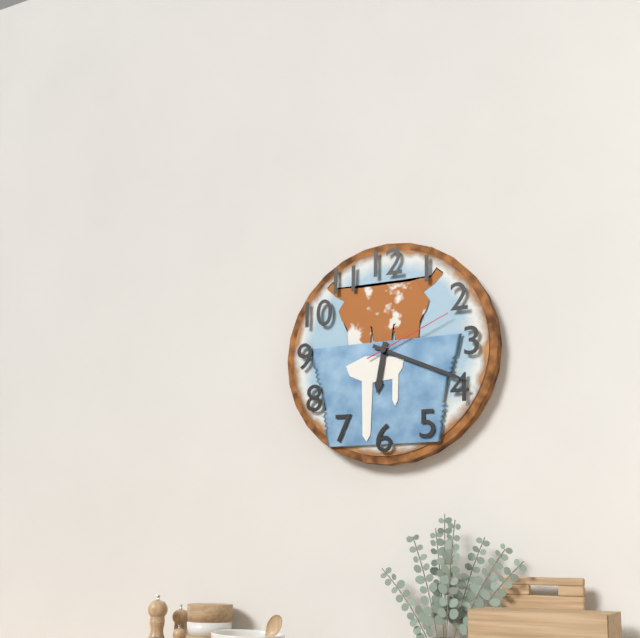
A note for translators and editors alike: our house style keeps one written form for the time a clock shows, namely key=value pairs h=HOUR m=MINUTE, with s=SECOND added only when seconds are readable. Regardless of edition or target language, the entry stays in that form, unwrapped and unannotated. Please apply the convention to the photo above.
h=6 m=19 s=11
